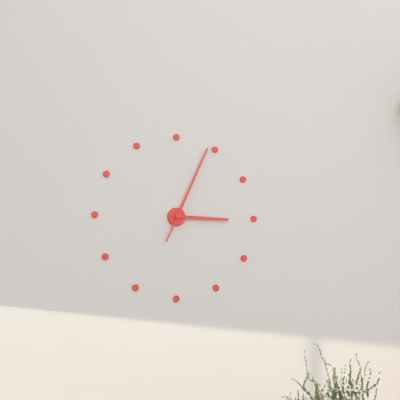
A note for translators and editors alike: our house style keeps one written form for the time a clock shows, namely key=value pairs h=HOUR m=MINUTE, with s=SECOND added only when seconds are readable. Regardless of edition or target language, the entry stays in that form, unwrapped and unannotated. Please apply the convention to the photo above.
h=3 m=4
